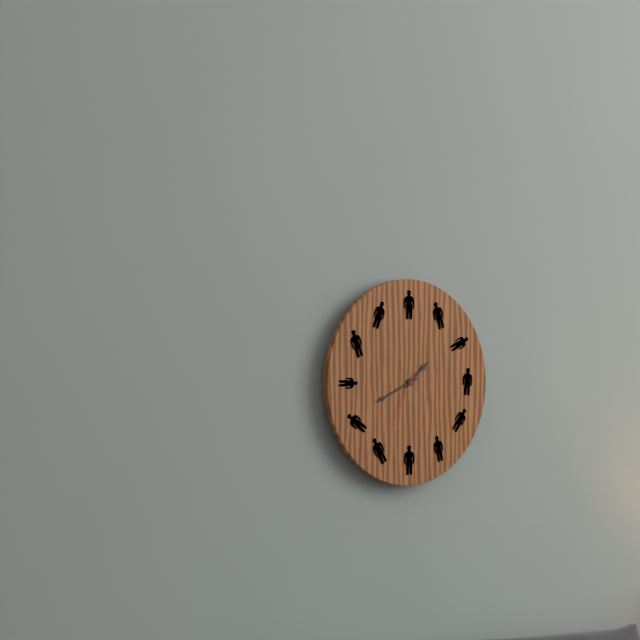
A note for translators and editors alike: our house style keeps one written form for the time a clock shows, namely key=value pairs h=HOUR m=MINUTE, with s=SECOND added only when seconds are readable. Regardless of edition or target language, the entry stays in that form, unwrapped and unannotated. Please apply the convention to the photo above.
h=1 m=41 s=35
